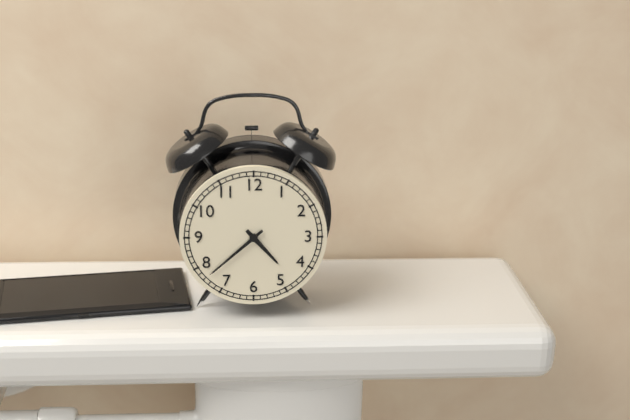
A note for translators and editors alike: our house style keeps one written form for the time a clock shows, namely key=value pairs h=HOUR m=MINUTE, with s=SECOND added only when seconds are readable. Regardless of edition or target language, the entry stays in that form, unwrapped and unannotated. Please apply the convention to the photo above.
h=4 m=38
